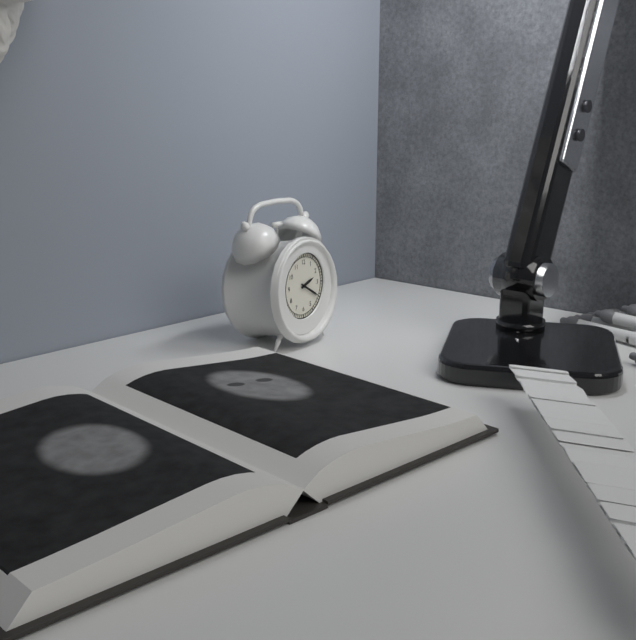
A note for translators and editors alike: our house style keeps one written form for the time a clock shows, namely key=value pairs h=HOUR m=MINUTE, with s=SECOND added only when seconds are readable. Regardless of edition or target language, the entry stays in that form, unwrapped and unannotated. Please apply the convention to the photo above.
h=2 m=20
